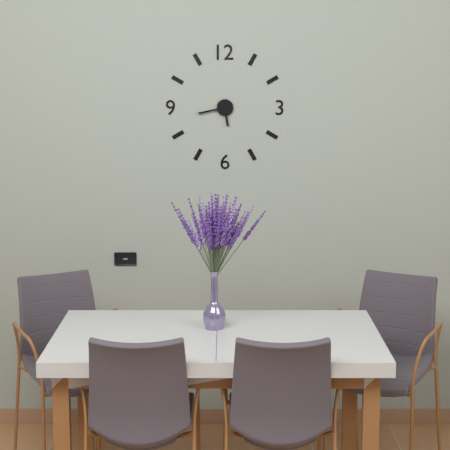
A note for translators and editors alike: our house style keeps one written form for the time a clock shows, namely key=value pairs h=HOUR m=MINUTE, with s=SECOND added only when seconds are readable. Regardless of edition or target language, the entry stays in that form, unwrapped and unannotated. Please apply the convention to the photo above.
h=5 m=43
